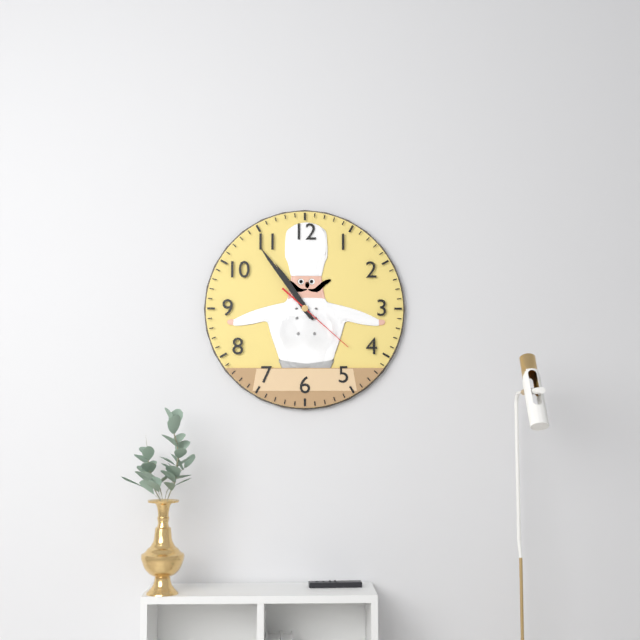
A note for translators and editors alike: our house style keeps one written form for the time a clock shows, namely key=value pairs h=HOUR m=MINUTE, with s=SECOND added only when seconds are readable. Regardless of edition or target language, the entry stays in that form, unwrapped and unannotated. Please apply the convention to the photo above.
h=10 m=54 s=22
